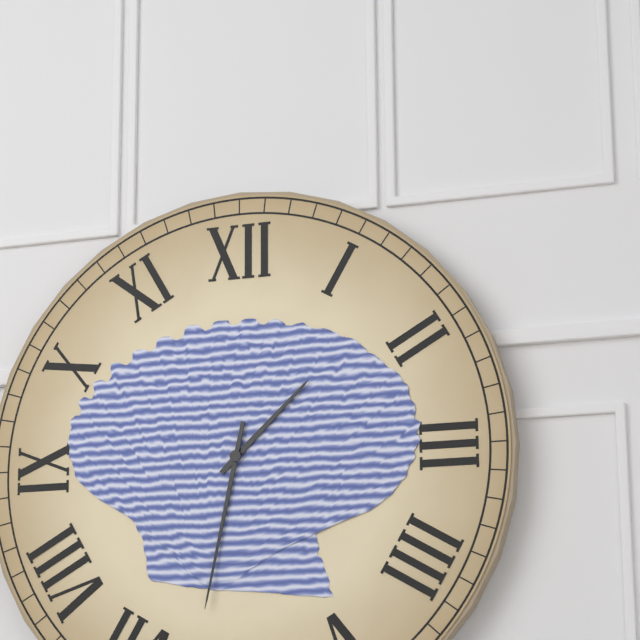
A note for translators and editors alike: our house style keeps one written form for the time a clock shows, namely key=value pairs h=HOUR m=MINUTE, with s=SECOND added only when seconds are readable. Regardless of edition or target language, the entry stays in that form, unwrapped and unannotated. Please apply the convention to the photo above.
h=1 m=32
